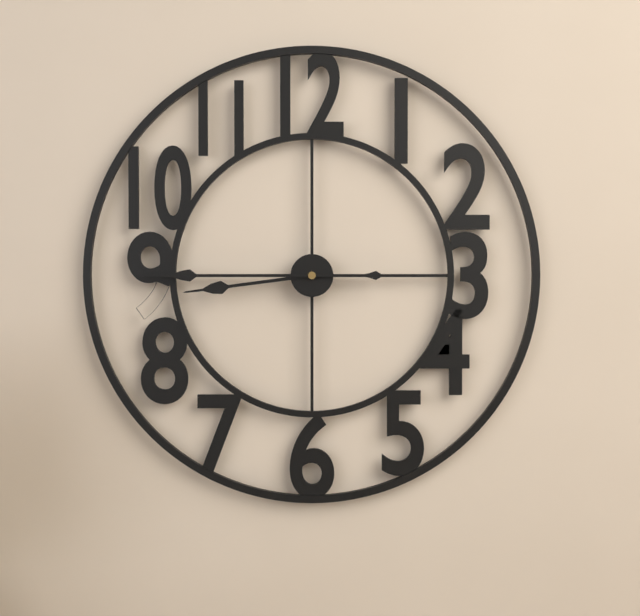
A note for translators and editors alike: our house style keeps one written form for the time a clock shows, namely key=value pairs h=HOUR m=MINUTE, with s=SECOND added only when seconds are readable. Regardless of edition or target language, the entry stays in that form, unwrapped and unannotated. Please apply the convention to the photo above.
h=8 m=45
